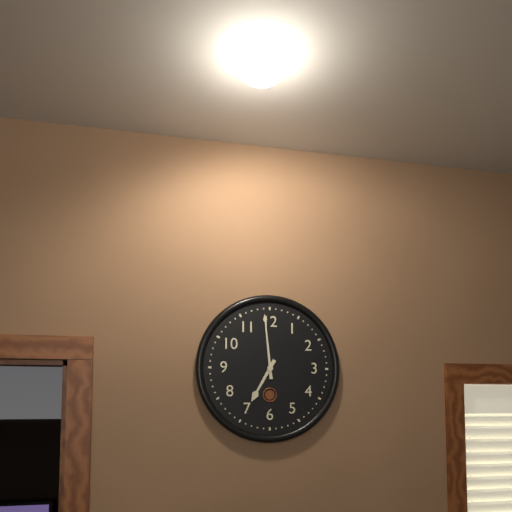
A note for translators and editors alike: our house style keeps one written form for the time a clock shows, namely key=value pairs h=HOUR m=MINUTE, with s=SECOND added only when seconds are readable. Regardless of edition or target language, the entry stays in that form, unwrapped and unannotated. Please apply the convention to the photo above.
h=6 m=59
